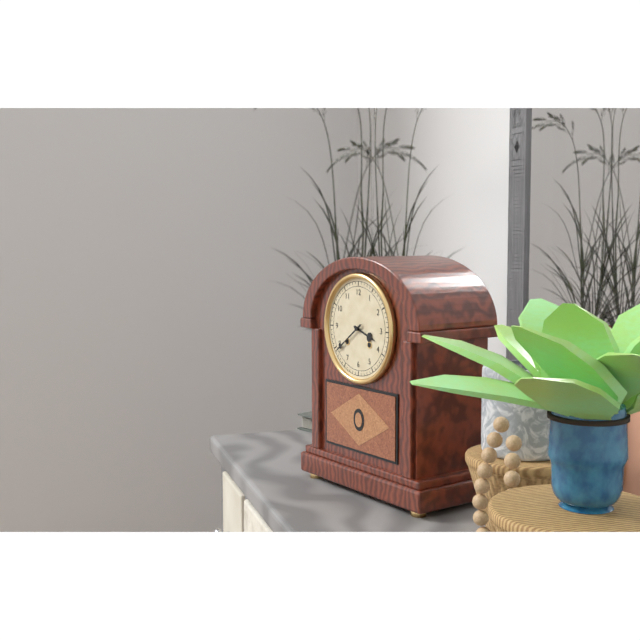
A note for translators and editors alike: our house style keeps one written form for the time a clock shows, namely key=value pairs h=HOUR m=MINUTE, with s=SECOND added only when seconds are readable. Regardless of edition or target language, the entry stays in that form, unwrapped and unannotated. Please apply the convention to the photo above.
h=3 m=39
